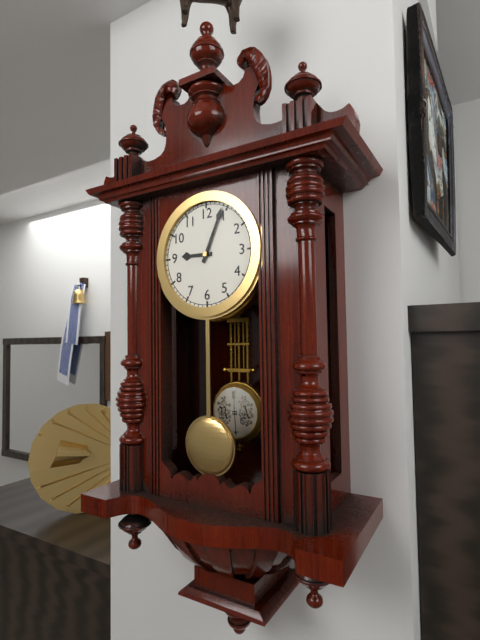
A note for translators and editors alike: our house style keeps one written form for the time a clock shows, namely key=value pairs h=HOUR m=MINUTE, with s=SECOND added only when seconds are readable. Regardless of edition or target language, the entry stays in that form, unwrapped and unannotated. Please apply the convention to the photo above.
h=9 m=4
